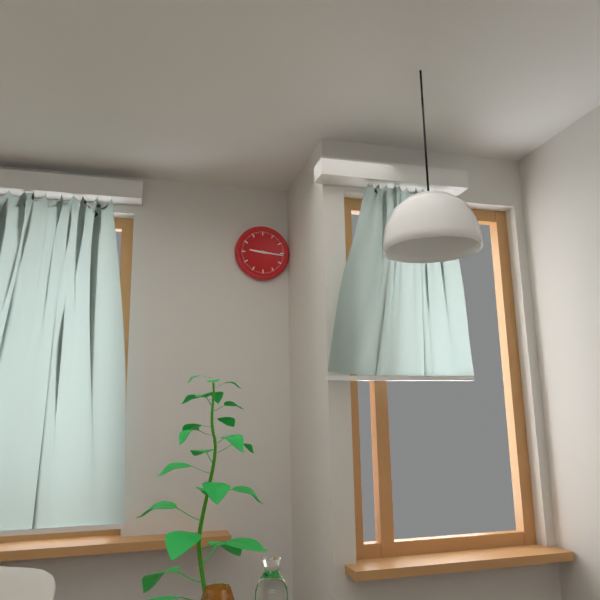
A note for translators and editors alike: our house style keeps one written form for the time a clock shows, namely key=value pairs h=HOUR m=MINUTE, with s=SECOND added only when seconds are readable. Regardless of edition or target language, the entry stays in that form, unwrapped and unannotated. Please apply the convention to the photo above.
h=9 m=16
